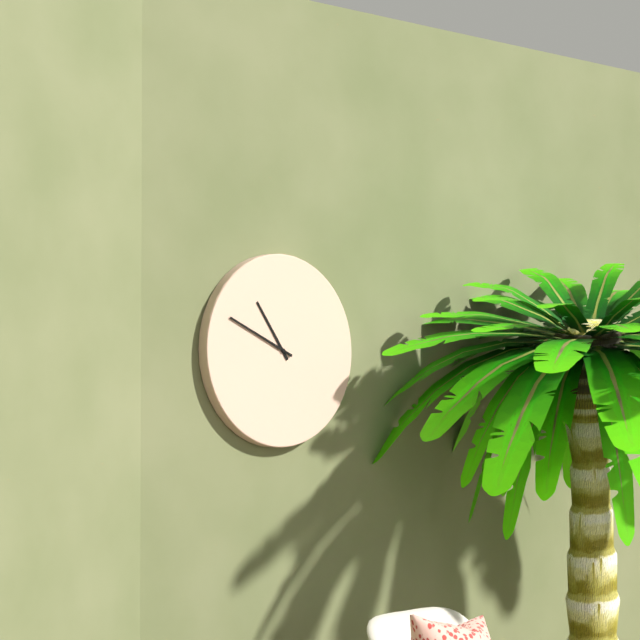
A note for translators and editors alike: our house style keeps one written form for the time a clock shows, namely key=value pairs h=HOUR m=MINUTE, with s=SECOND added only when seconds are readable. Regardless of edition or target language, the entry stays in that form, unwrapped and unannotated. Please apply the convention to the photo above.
h=10 m=49
